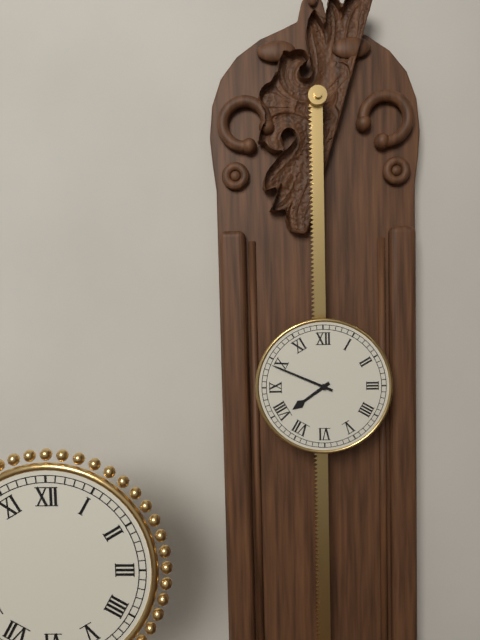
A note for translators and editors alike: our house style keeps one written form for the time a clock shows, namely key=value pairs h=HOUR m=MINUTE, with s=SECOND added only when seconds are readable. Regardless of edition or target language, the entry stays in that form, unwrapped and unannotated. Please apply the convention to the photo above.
h=7 m=49
